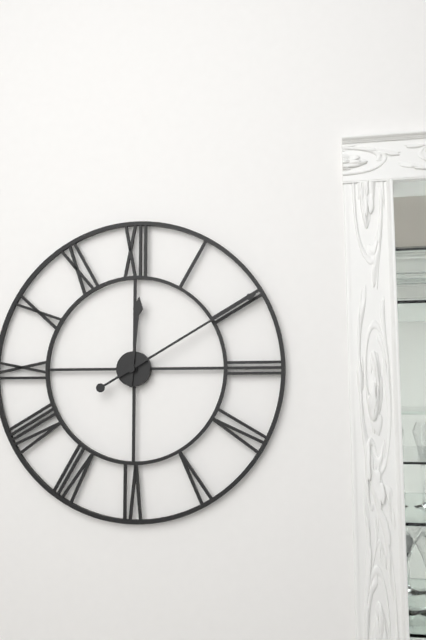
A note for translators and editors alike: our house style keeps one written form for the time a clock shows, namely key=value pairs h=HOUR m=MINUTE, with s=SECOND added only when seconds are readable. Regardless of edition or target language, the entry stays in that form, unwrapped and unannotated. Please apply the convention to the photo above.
h=12 m=10
